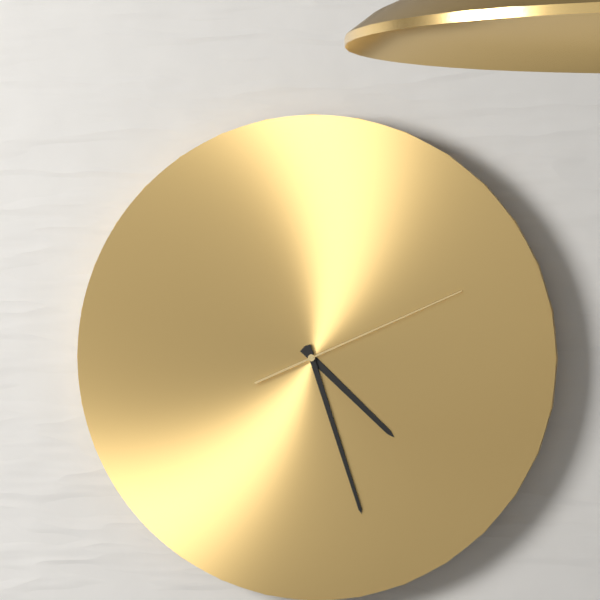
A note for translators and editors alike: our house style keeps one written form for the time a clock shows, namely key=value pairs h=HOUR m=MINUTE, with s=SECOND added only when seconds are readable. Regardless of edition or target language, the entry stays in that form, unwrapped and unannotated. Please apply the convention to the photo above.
h=4 m=27 s=11
